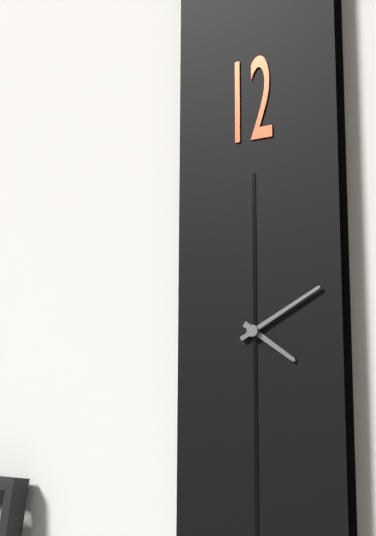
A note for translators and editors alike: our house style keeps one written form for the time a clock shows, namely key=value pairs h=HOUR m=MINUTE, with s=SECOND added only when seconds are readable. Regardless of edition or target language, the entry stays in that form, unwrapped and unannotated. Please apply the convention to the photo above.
h=4 m=10
